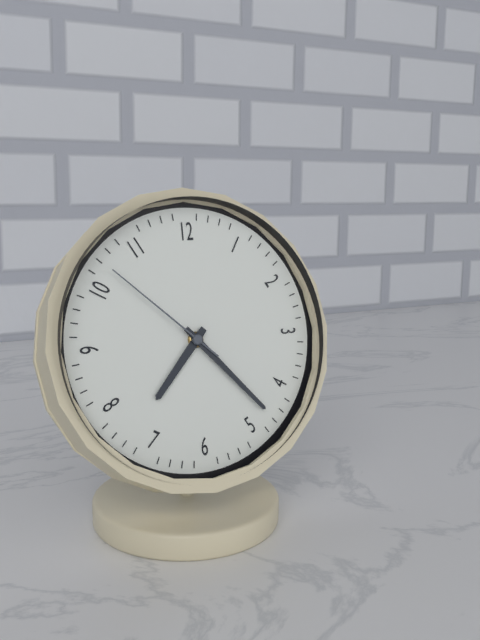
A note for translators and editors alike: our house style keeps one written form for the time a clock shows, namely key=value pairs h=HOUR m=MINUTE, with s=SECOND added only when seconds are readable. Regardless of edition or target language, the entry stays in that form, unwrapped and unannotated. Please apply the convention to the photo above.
h=7 m=23 s=52
